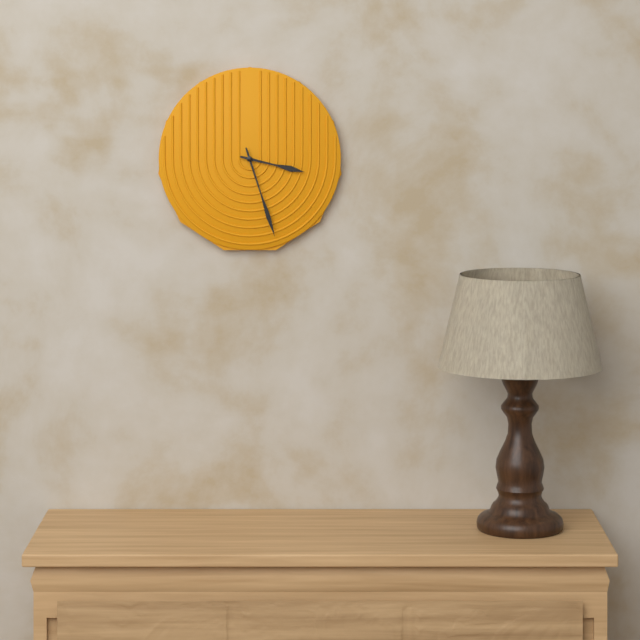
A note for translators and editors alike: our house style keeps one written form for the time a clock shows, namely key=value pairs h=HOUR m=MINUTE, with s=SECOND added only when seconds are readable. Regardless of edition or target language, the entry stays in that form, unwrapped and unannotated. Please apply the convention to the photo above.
h=3 m=27
